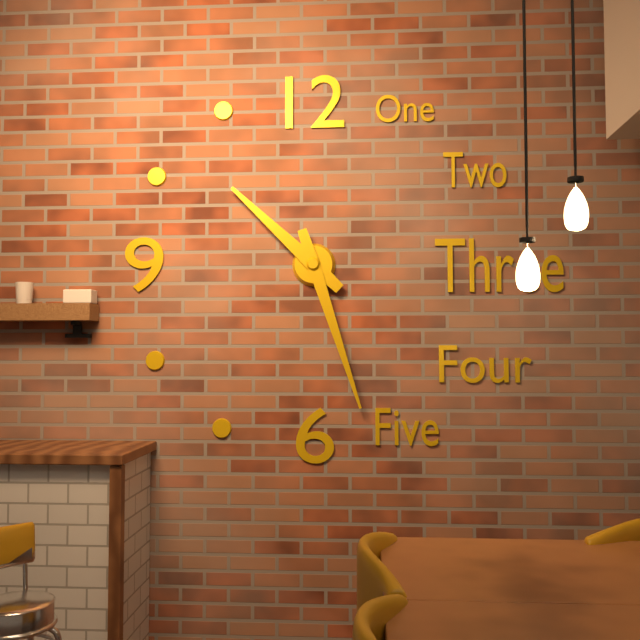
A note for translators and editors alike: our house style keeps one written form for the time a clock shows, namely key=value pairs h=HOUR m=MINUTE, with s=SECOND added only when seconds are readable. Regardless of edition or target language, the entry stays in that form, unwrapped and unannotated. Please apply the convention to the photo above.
h=10 m=27
